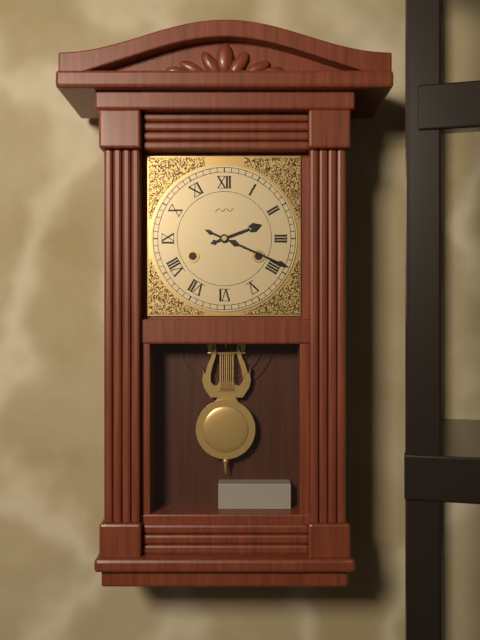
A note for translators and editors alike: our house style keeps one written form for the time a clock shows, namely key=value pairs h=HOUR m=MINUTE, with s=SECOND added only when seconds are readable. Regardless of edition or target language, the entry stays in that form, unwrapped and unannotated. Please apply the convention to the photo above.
h=2 m=19
